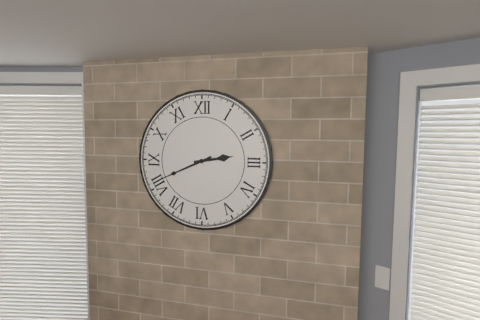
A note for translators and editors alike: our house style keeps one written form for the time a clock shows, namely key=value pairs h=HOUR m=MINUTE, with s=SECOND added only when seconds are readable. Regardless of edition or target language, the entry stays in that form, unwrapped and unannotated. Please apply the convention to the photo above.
h=2 m=41
